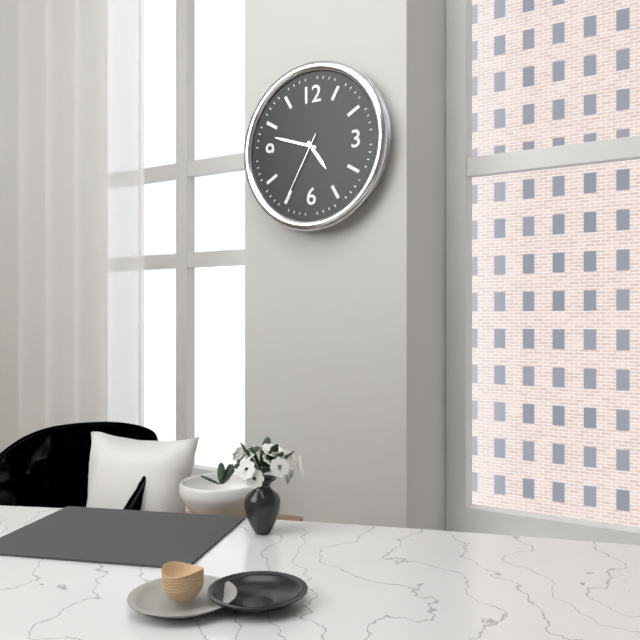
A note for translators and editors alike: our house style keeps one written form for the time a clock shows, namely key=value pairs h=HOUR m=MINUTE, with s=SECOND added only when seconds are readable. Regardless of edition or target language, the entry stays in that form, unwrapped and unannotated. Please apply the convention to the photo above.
h=4 m=48 s=35
